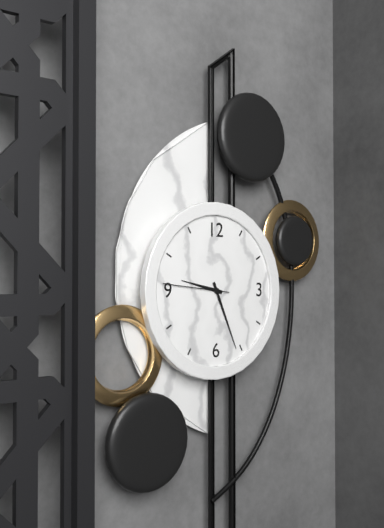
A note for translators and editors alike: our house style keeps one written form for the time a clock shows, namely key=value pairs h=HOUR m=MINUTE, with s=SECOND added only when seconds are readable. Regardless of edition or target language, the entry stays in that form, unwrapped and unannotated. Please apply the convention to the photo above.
h=9 m=26 s=46
